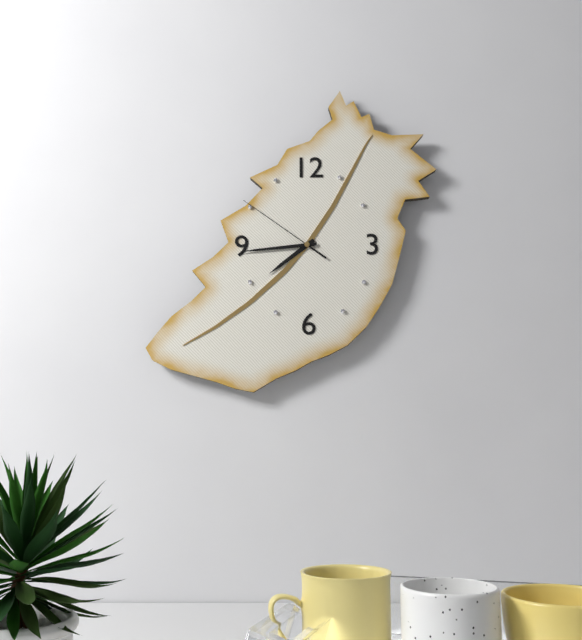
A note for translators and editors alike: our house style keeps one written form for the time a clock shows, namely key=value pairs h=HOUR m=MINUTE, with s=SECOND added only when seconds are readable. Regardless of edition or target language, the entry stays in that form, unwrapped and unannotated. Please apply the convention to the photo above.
h=7 m=44 s=51
